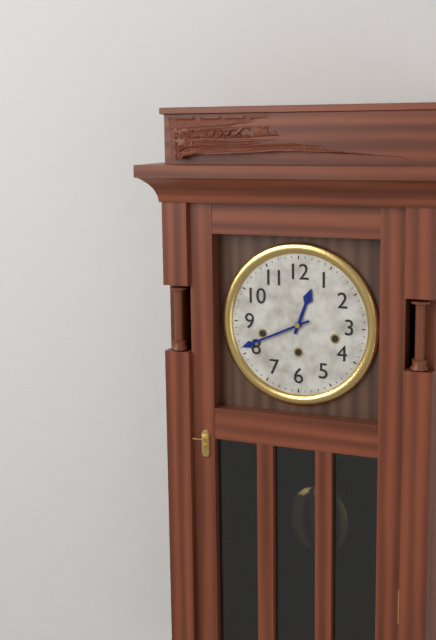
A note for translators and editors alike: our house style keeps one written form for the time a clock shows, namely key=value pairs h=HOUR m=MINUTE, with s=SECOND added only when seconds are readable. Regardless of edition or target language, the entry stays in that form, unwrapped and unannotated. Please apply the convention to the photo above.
h=12 m=41
